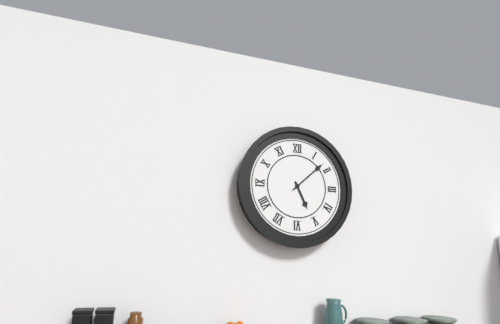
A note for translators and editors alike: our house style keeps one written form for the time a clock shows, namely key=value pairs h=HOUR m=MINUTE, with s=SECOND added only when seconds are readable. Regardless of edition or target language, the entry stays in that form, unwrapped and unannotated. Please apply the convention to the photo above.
h=5 m=8
